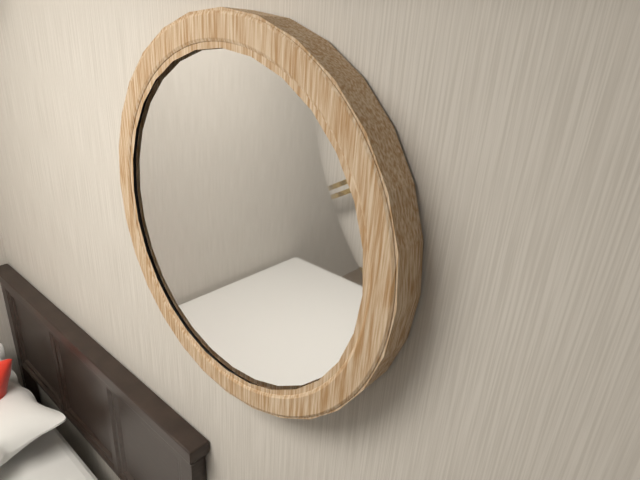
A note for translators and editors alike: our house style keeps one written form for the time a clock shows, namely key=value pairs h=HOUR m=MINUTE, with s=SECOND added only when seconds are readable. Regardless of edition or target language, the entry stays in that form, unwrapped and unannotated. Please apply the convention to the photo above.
h=6 m=38
